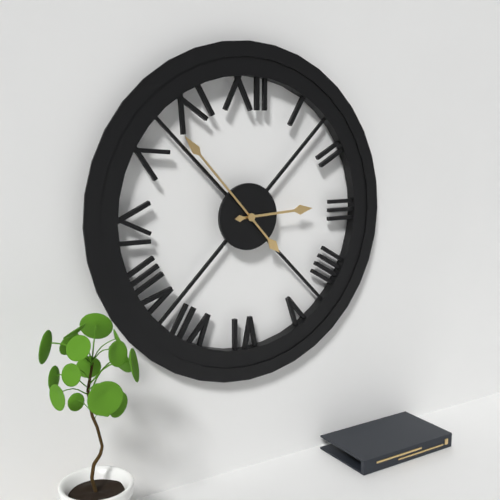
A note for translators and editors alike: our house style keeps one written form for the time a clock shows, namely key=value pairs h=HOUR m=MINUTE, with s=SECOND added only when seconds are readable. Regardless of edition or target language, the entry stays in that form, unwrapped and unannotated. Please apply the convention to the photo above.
h=2 m=53
